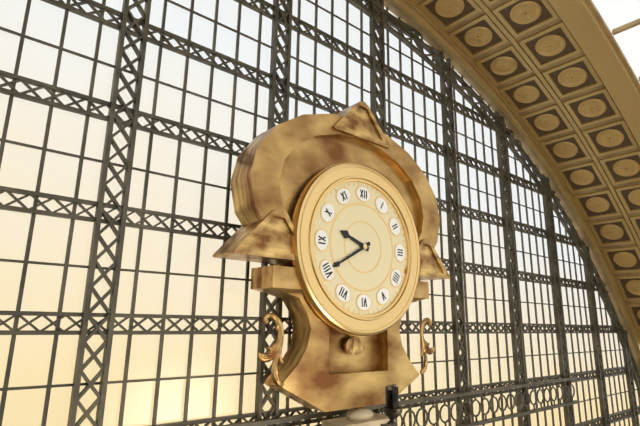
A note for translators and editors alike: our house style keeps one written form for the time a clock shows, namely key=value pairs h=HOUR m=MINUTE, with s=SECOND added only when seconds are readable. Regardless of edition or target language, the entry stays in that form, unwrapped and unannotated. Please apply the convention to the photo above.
h=9 m=40
